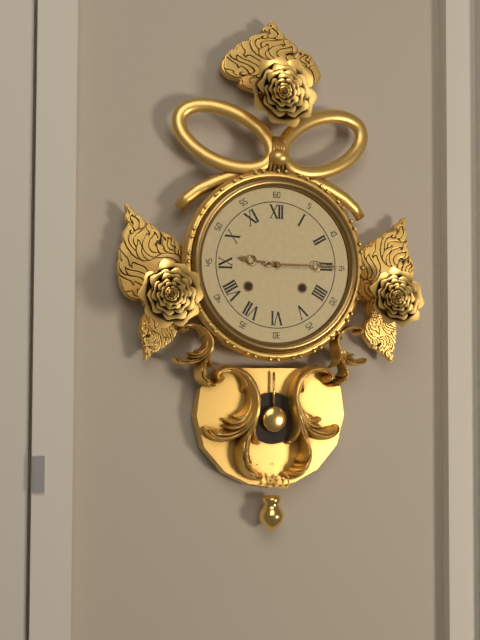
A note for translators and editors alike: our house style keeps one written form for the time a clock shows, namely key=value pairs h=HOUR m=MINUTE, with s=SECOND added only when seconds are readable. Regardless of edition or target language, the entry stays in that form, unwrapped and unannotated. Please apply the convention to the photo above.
h=9 m=15
